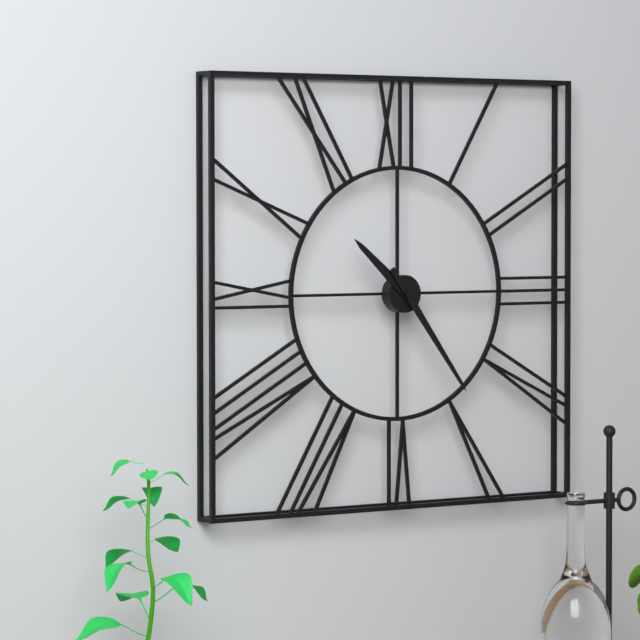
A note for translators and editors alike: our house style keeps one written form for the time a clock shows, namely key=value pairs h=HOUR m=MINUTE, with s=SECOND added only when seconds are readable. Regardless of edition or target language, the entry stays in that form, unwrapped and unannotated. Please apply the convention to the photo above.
h=10 m=24
